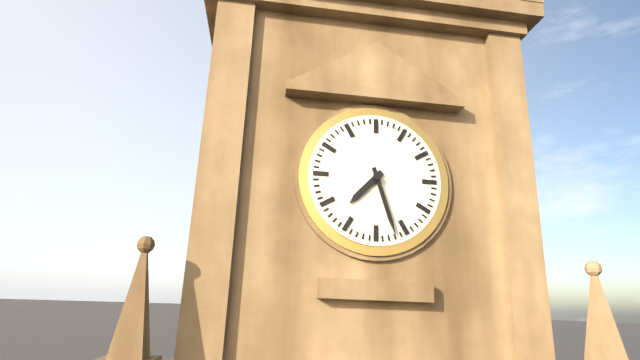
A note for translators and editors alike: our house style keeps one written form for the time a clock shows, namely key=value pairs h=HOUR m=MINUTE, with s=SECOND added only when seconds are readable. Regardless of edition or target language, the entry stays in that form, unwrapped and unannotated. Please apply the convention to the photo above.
h=7 m=27
